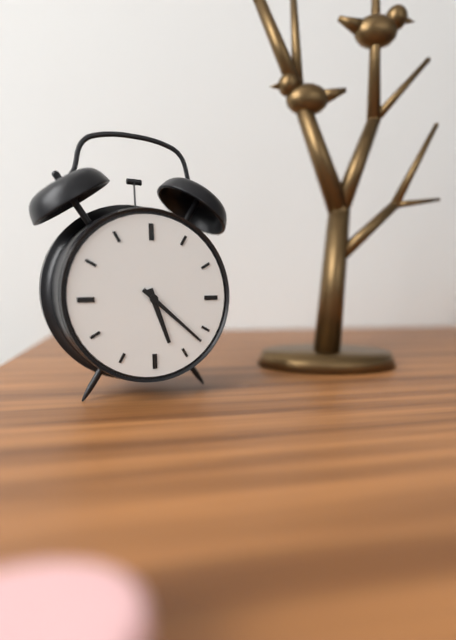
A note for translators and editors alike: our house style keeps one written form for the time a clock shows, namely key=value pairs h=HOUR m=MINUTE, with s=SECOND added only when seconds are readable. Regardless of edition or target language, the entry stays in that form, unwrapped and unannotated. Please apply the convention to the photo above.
h=5 m=22
